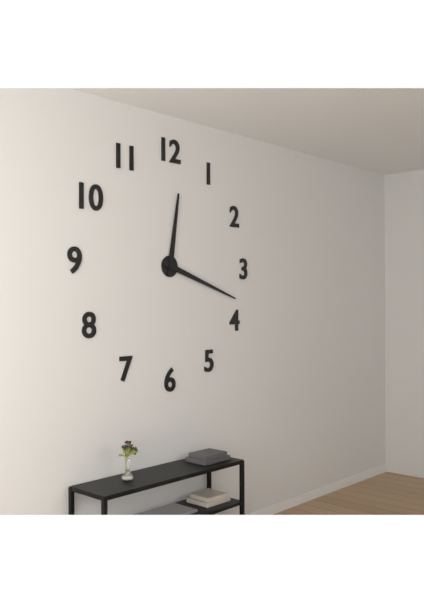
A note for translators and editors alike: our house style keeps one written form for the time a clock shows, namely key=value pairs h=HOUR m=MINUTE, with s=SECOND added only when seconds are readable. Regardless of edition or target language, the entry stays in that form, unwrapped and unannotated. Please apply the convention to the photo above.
h=12 m=18
